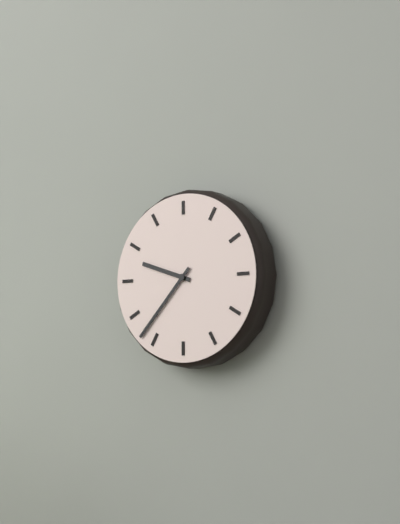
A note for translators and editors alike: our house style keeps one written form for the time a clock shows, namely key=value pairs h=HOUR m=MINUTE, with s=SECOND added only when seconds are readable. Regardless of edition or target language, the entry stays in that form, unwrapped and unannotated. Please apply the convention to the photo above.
h=9 m=37
